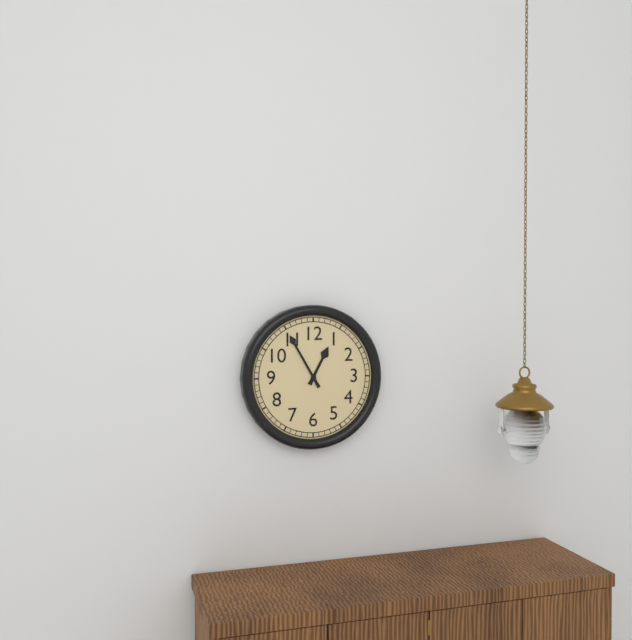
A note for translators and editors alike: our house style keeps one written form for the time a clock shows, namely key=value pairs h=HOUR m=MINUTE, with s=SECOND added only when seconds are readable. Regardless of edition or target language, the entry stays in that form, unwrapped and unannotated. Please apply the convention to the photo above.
h=12 m=55
